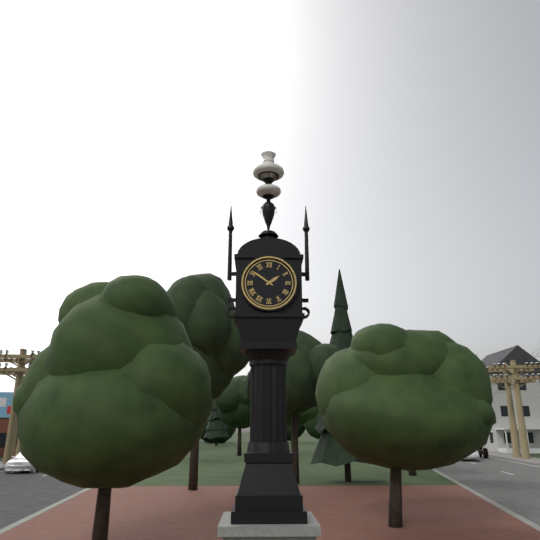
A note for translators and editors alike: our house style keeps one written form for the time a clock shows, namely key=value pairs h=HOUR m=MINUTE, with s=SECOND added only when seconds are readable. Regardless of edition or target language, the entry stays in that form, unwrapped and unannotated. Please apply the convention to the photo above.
h=1 m=51
